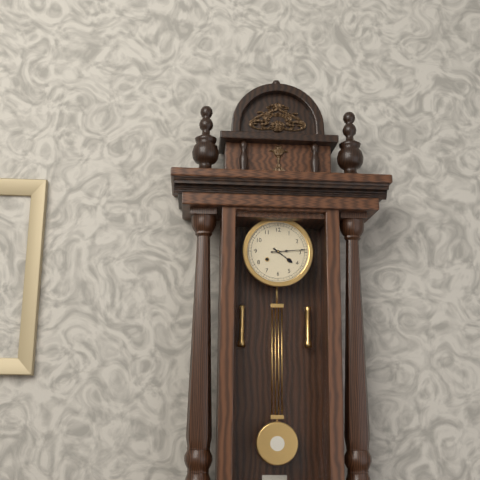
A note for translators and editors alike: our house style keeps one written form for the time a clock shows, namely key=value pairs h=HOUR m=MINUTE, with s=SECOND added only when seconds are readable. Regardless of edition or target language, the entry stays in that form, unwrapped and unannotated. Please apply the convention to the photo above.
h=4 m=14
